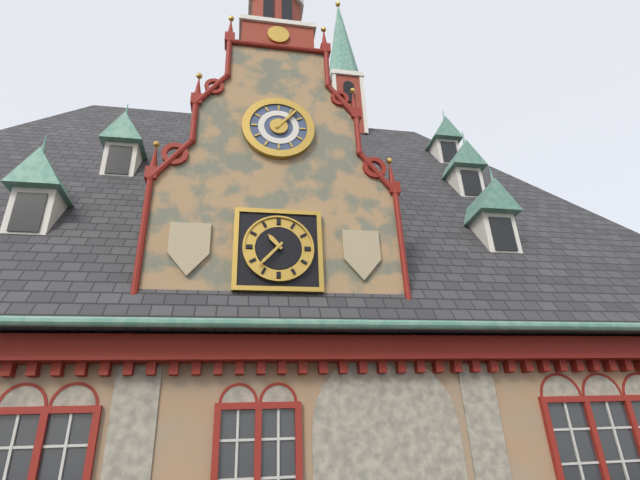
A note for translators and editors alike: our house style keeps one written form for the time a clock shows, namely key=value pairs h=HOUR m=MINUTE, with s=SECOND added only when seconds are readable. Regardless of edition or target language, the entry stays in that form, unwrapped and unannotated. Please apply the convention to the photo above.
h=10 m=37
